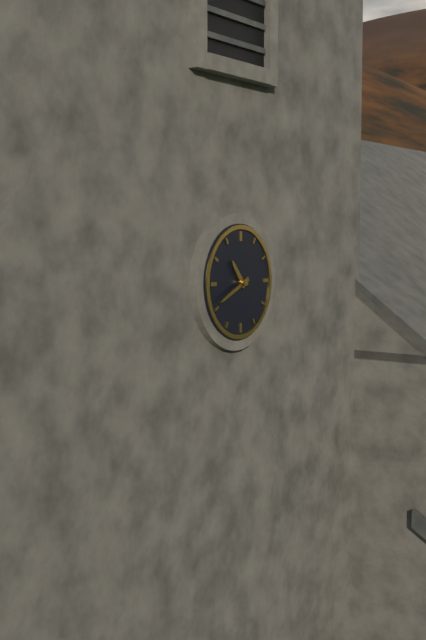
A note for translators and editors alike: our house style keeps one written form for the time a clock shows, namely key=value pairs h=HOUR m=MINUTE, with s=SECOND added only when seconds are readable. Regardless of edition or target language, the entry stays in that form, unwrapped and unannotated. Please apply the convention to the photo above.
h=10 m=41
